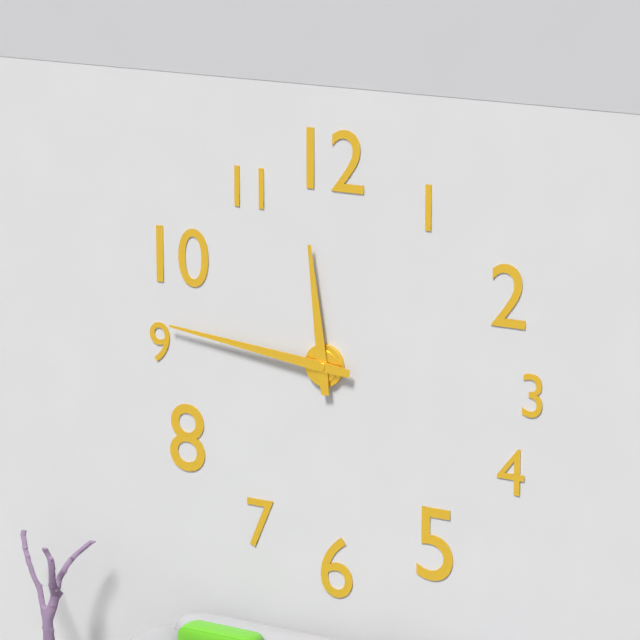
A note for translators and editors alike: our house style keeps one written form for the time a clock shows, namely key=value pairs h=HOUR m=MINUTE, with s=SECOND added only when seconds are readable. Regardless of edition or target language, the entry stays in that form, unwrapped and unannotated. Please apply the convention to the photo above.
h=11 m=46
